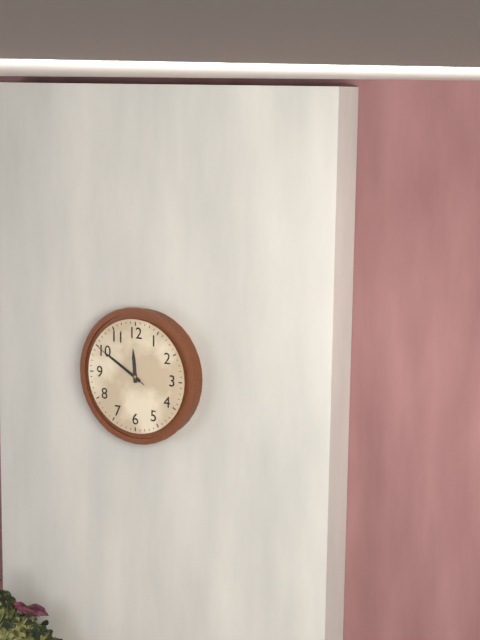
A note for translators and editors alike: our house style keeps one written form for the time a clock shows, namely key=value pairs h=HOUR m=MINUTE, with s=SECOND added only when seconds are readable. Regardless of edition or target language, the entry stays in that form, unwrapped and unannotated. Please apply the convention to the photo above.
h=11 m=50 s=50
